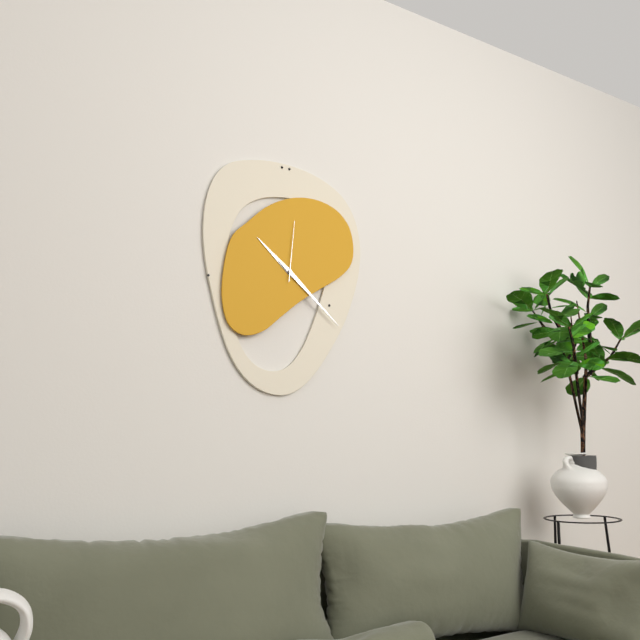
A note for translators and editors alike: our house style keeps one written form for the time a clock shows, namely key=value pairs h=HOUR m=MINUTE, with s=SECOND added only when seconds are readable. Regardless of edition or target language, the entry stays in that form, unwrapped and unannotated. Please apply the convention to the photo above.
h=10 m=22 s=1
